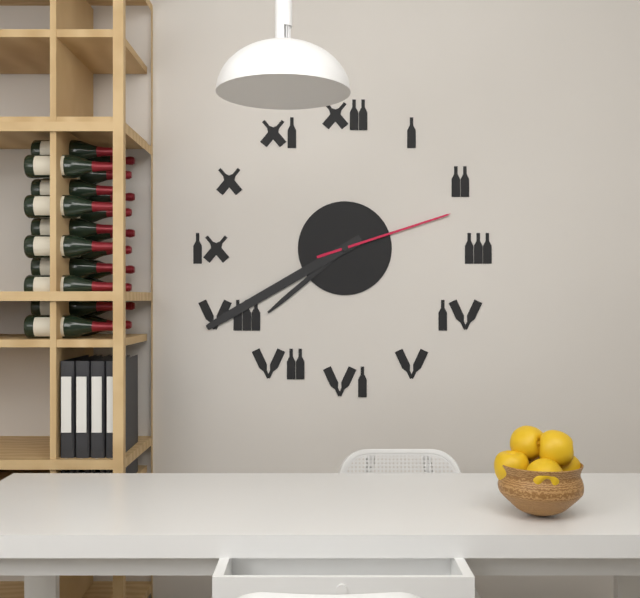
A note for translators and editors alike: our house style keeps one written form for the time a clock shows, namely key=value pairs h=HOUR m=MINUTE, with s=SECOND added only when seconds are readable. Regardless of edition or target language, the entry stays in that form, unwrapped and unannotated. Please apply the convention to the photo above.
h=7 m=40 s=12
